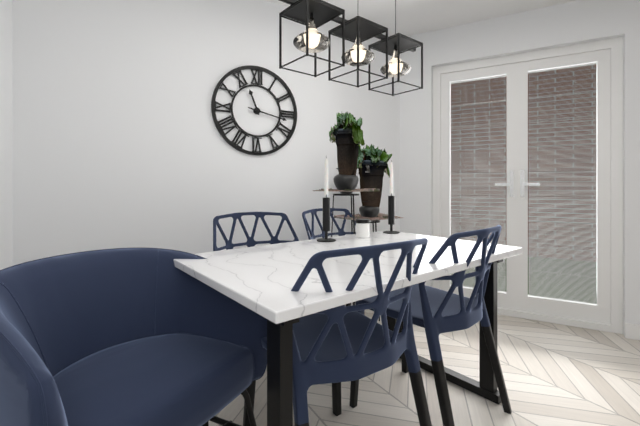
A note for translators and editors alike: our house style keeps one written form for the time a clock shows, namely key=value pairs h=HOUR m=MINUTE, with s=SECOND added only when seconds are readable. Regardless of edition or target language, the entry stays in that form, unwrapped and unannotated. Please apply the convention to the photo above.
h=11 m=17
